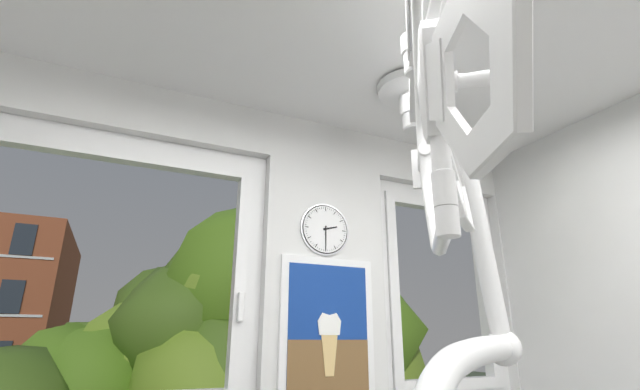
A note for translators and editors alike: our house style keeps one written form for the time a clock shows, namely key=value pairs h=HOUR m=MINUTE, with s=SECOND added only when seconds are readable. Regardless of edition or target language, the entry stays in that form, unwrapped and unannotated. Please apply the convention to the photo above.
h=2 m=30
